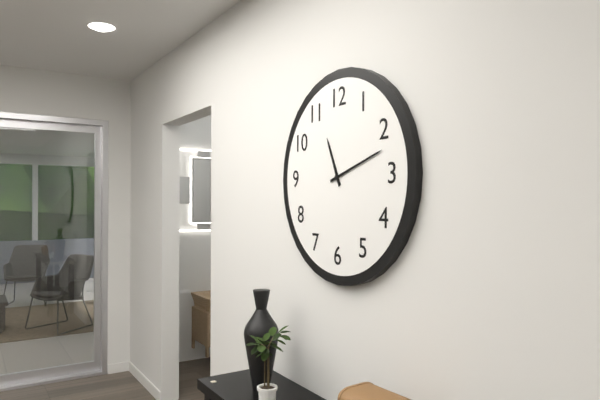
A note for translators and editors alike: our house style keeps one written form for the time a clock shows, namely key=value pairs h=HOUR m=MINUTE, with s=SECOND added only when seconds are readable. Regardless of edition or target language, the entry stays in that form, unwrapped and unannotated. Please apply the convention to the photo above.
h=11 m=12
